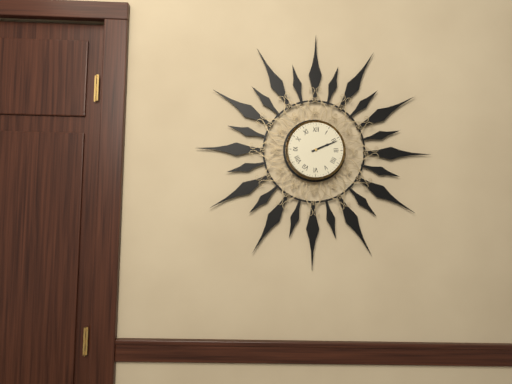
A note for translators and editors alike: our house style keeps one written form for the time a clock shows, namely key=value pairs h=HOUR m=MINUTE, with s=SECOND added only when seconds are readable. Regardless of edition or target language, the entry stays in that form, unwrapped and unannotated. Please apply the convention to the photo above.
h=2 m=11
